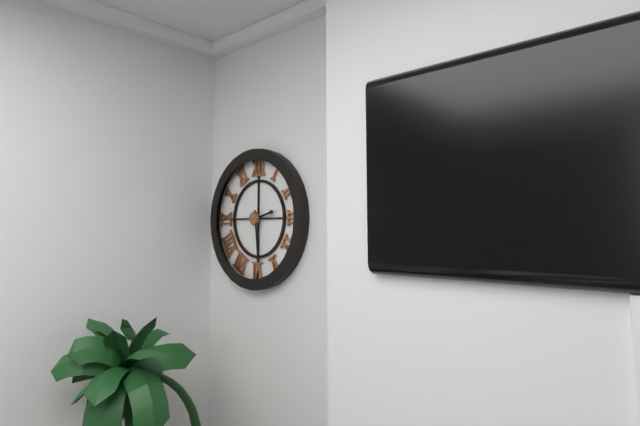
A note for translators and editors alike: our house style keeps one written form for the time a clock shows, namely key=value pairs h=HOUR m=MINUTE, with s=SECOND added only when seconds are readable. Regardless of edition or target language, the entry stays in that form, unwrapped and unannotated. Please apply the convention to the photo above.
h=2 m=29
